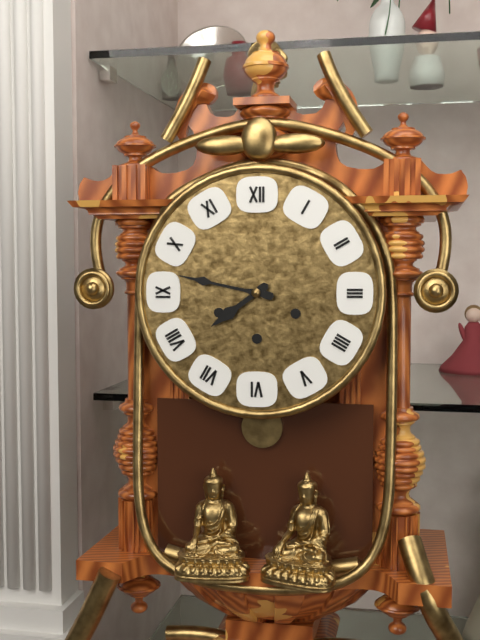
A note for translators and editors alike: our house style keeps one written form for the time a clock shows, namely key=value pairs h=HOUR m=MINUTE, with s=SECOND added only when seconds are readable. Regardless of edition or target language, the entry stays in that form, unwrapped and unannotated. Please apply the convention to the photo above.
h=7 m=47
